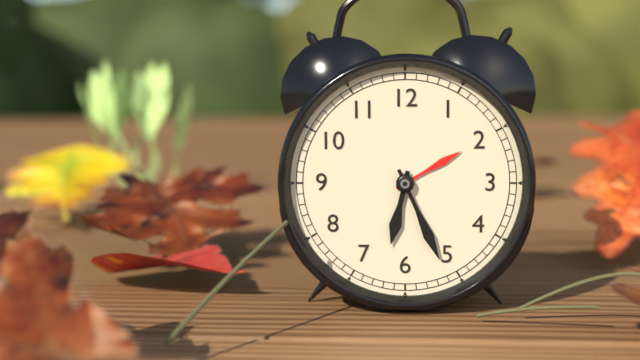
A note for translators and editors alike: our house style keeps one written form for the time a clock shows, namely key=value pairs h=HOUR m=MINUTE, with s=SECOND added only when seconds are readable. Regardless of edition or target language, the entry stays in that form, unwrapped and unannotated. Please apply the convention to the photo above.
h=6 m=26
